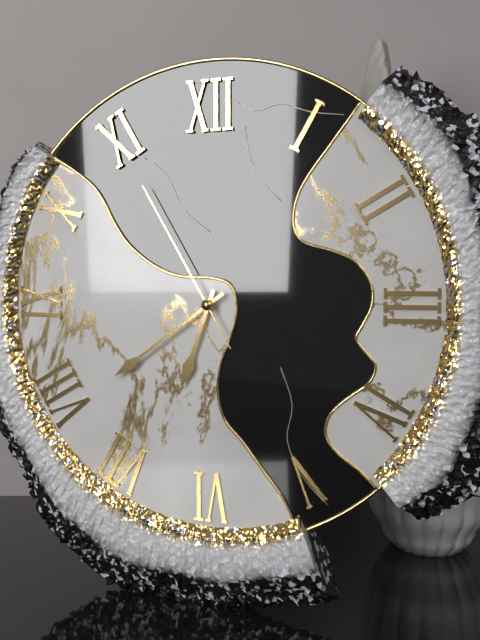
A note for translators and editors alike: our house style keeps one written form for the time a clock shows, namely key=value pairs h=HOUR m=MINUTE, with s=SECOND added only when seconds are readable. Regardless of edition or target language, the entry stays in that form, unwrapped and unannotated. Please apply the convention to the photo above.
h=6 m=39 s=55
